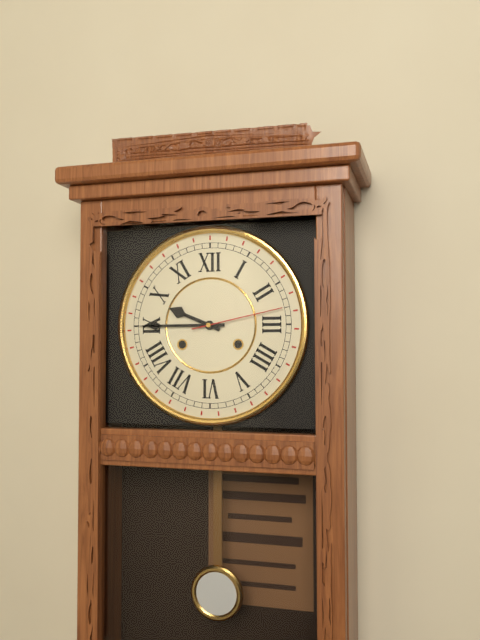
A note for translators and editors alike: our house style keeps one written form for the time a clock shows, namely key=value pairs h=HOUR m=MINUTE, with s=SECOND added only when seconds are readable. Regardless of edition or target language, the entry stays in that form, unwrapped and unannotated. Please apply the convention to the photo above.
h=9 m=45 s=13
